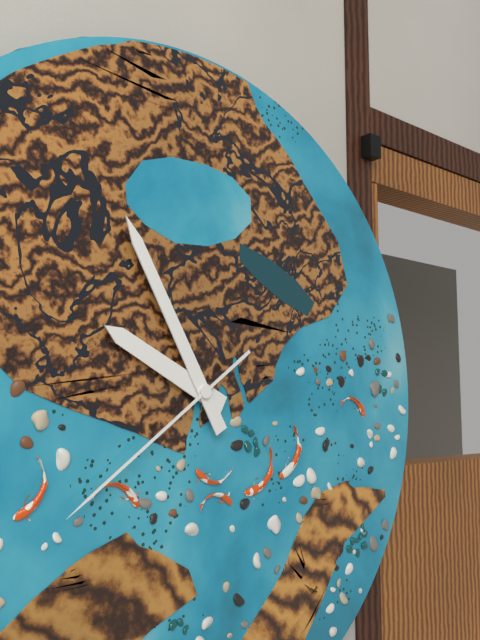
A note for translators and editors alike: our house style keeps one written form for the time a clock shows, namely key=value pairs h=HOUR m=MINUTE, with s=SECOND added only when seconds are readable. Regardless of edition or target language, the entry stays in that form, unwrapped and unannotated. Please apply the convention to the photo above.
h=9 m=55 s=39
